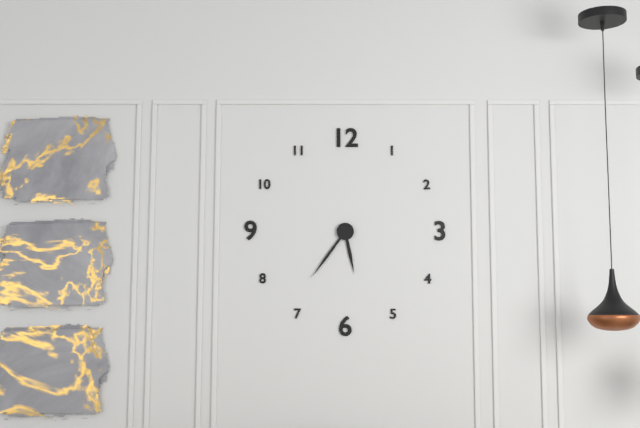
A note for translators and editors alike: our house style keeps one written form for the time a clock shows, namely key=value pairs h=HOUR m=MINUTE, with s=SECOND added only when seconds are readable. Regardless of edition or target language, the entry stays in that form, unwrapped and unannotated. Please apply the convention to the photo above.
h=5 m=36
